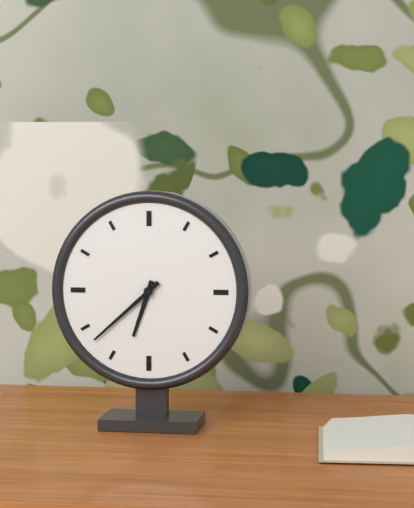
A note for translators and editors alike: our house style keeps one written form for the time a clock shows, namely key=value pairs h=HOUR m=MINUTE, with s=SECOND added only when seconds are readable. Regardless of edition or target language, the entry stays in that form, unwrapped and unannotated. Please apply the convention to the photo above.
h=6 m=38
